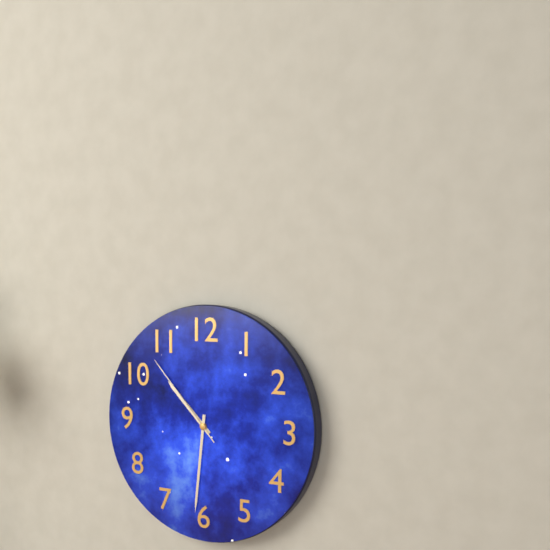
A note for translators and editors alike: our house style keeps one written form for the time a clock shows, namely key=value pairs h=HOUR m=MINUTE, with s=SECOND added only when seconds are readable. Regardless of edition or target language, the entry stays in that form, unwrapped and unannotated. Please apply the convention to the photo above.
h=10 m=31 s=53
